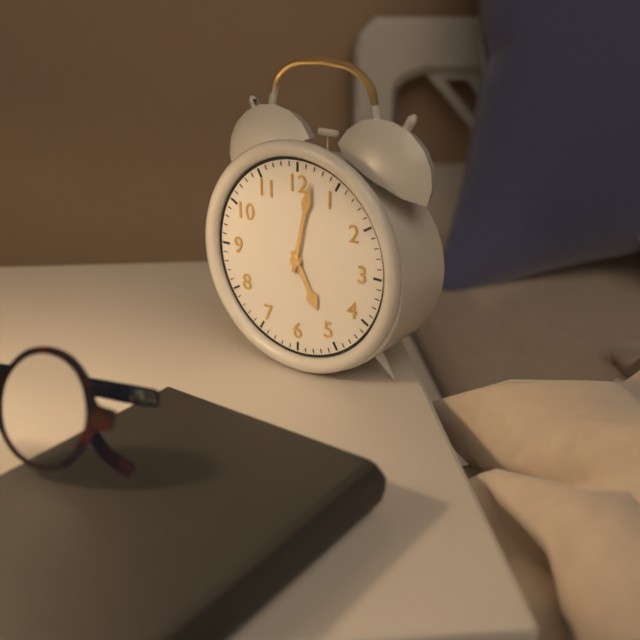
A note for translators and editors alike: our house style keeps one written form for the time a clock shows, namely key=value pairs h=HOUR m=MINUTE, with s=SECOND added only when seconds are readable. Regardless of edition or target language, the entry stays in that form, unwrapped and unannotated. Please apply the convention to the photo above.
h=5 m=2
